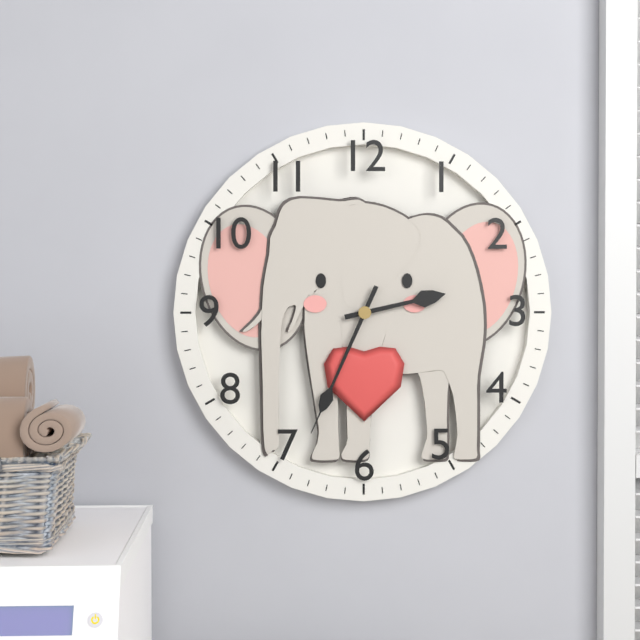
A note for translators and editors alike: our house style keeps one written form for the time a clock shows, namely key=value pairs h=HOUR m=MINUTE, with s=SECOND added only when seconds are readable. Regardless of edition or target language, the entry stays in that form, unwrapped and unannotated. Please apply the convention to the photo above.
h=2 m=34
